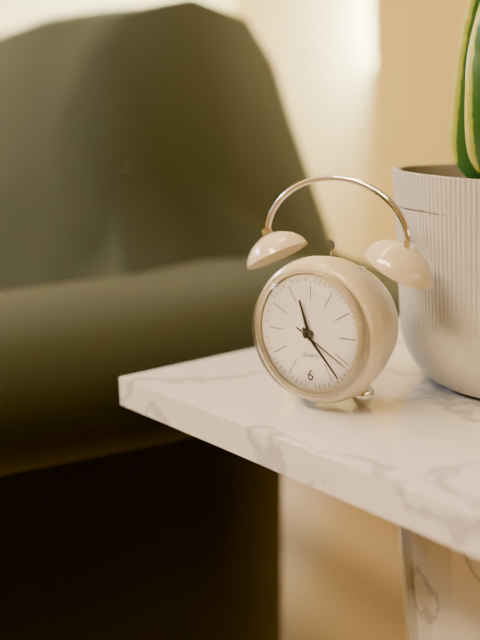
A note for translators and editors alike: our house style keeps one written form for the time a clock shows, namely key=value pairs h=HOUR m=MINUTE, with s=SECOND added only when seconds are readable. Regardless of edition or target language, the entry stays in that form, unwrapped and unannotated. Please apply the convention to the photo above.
h=11 m=23 s=20
